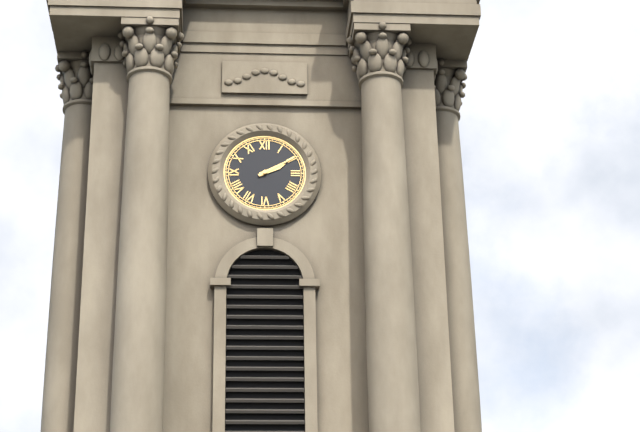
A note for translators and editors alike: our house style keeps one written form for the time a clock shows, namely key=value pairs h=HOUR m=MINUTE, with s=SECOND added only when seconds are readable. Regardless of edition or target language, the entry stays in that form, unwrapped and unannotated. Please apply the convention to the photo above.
h=2 m=10
